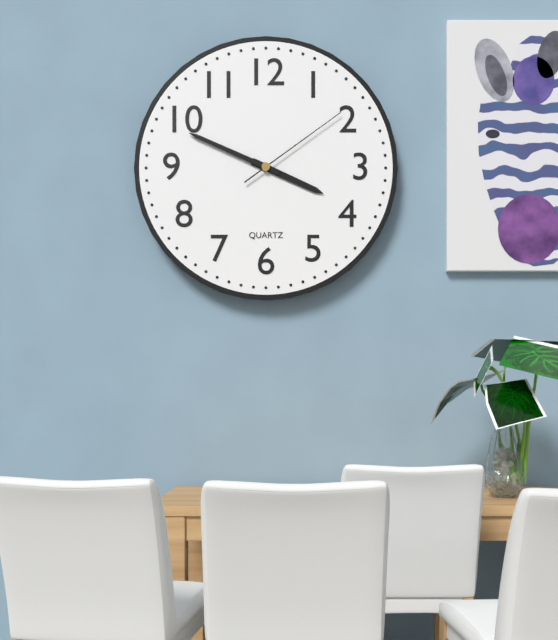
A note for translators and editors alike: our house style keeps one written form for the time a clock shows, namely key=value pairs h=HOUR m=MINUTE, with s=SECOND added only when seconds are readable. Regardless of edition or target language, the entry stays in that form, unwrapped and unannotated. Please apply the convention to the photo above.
h=3 m=49 s=9
